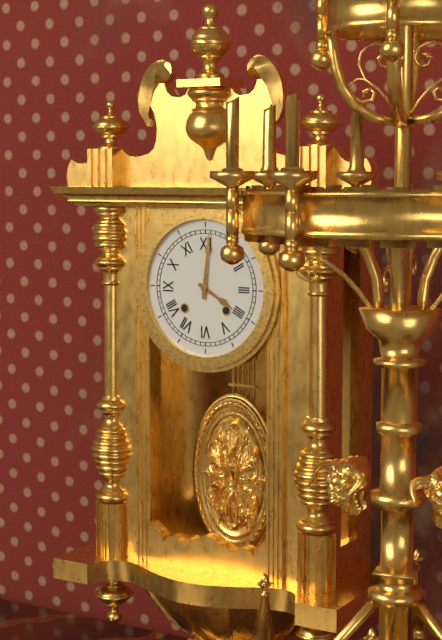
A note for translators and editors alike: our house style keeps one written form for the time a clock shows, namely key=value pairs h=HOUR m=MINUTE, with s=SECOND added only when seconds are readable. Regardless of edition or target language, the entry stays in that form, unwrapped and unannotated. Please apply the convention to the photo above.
h=4 m=1
